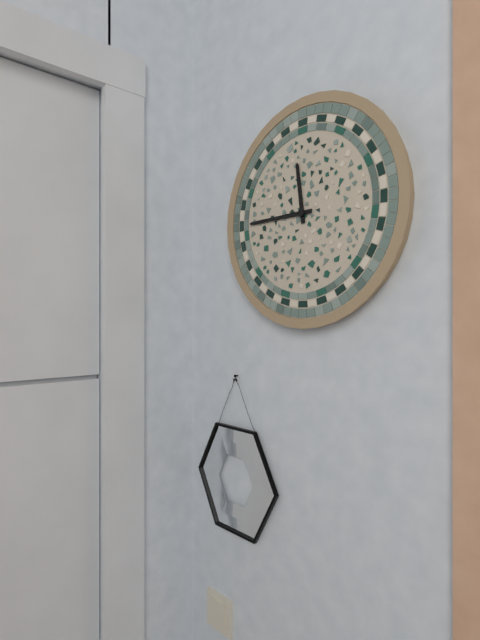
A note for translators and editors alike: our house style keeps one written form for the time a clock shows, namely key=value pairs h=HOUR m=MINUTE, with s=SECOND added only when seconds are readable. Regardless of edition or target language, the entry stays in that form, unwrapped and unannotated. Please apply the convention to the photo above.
h=11 m=45
